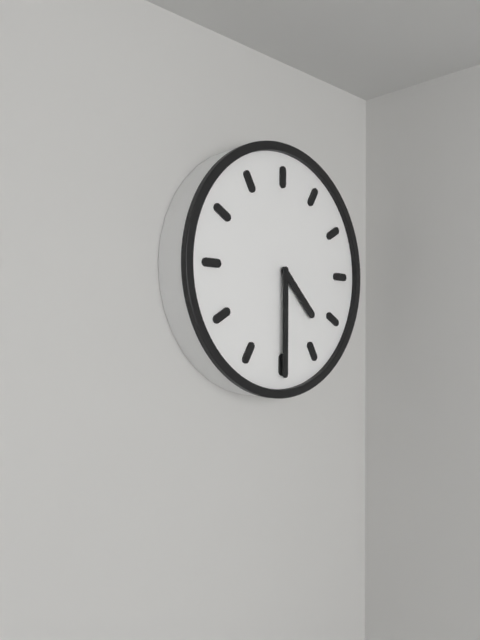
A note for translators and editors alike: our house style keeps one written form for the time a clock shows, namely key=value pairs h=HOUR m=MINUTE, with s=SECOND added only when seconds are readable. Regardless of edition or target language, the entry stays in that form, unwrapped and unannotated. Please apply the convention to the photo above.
h=4 m=30
